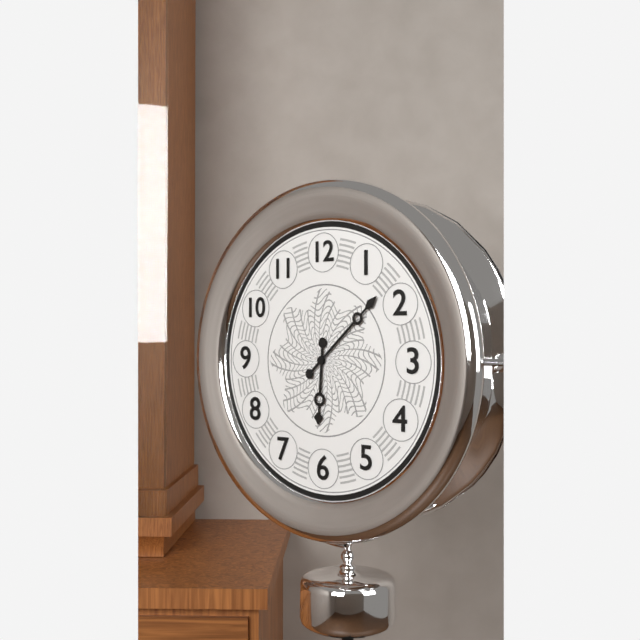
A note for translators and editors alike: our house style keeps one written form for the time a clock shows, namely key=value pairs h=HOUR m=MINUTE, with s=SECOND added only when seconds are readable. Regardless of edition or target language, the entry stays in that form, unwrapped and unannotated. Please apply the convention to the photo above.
h=6 m=8
